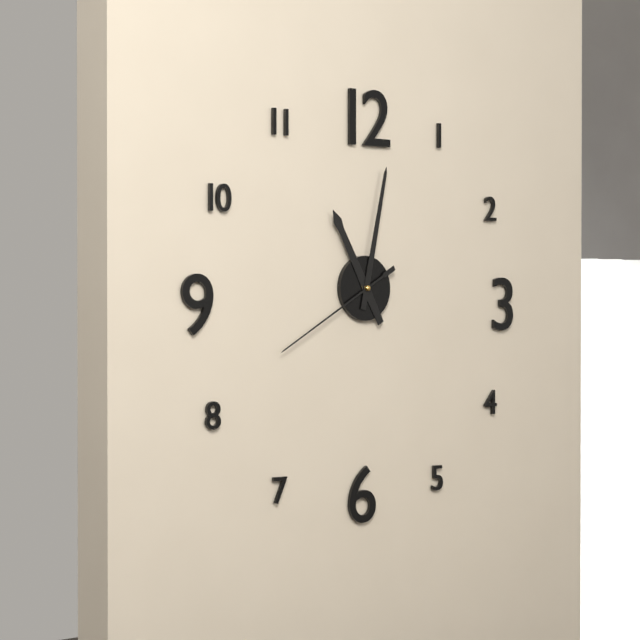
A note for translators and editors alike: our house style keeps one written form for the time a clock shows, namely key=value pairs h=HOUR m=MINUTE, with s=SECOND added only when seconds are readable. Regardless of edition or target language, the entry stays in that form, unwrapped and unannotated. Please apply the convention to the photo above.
h=11 m=2 s=40
